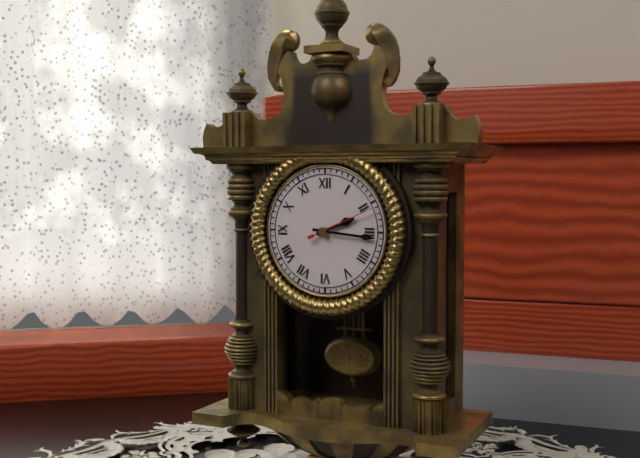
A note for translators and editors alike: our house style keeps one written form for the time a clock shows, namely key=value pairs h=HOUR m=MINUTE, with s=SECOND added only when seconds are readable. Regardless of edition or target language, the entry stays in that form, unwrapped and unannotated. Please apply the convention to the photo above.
h=2 m=16 s=11
